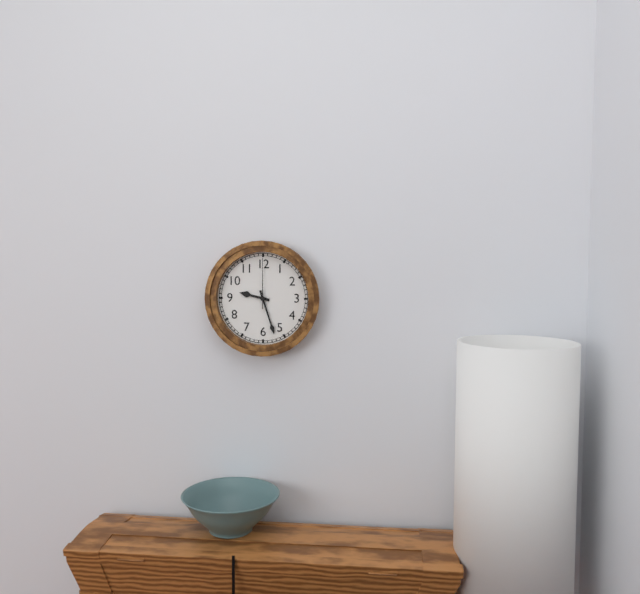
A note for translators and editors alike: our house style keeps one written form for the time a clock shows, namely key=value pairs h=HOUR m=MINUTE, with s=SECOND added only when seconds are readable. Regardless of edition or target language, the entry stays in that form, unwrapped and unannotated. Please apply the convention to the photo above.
h=9 m=27 s=0
